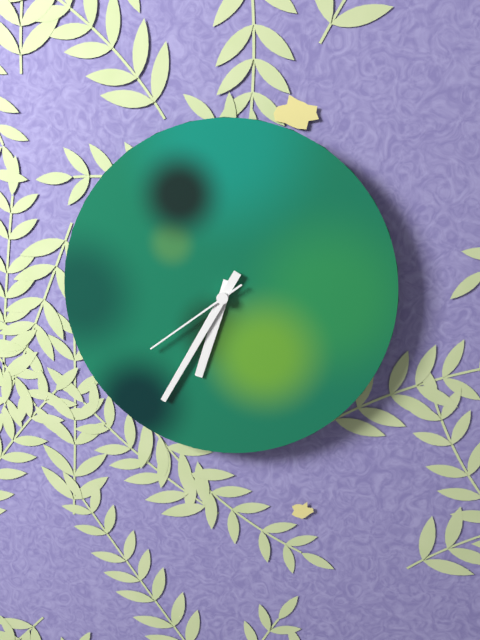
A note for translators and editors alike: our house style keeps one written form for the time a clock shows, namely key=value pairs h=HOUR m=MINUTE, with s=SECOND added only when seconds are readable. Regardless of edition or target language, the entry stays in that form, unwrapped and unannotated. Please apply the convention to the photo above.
h=6 m=35 s=39
